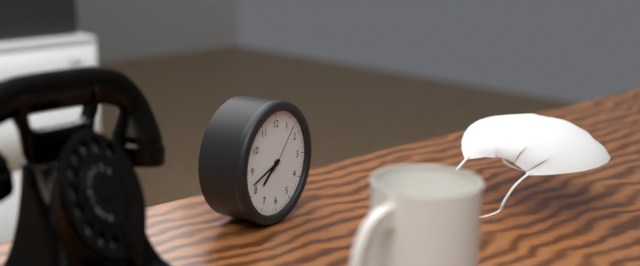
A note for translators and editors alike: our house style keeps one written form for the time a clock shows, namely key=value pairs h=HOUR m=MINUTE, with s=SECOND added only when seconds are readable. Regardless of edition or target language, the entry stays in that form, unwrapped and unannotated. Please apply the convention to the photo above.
h=7 m=42 s=7
